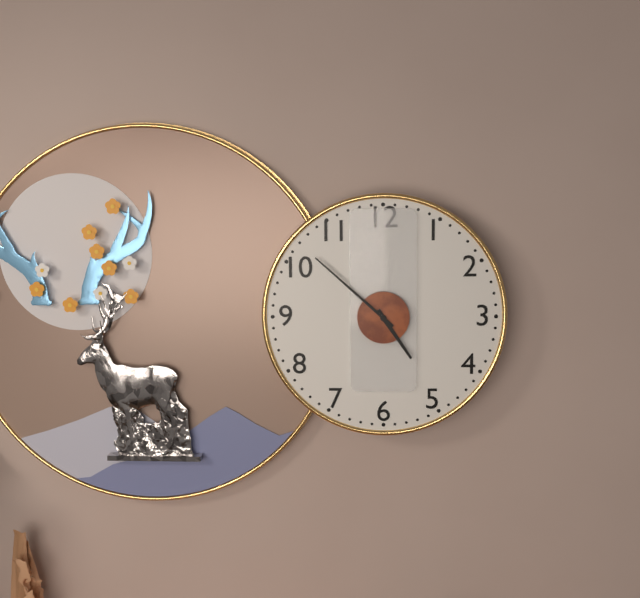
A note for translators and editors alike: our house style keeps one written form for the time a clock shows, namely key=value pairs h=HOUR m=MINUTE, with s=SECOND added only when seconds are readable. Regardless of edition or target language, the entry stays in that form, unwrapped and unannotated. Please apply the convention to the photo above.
h=4 m=52
